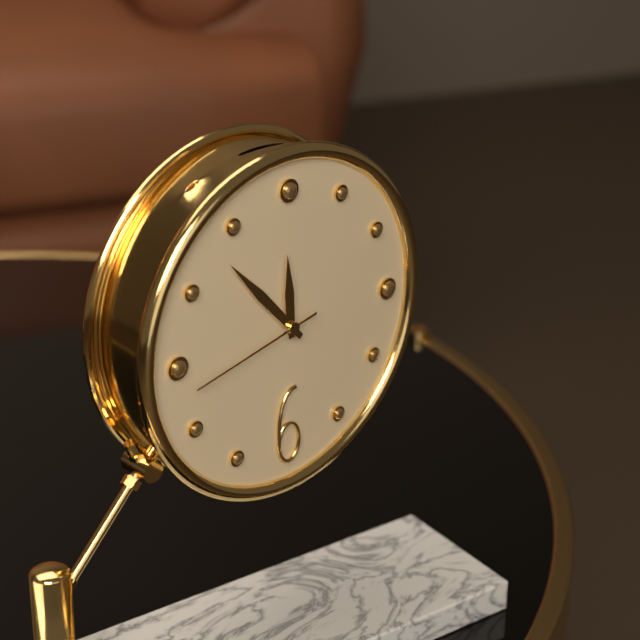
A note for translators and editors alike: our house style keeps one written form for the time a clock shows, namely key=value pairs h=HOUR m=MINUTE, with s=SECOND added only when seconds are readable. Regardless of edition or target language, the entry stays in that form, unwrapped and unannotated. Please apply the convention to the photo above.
h=11 m=53 s=43
